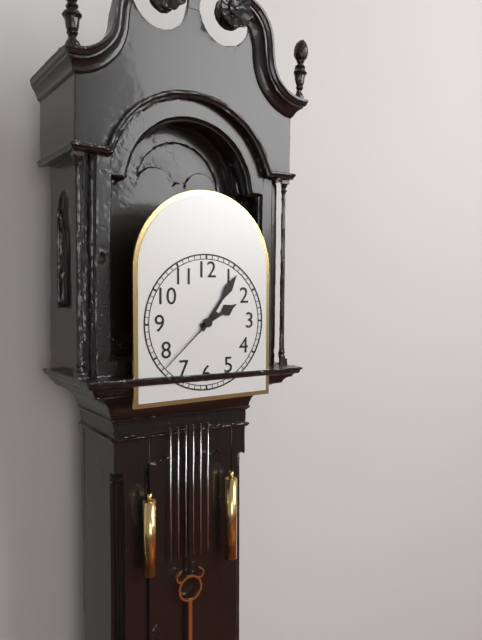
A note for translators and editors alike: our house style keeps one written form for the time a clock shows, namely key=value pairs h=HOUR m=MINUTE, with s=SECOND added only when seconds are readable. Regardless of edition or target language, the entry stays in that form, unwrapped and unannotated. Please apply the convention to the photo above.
h=2 m=6 s=38
